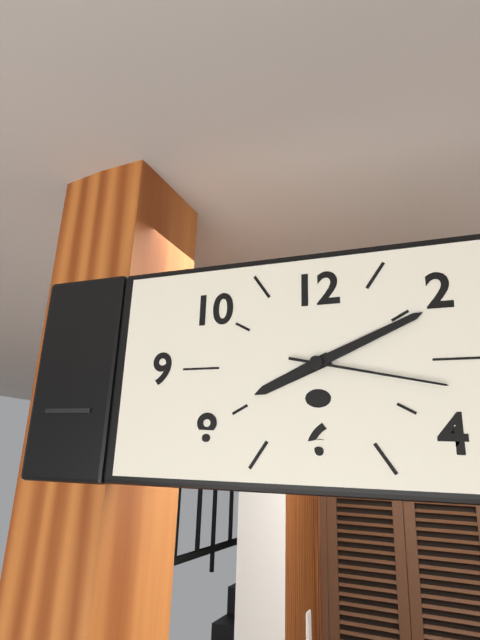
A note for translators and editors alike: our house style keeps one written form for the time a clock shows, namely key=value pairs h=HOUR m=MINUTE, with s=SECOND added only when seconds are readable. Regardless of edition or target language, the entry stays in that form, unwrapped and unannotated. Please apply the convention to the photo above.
h=8 m=11 s=17
